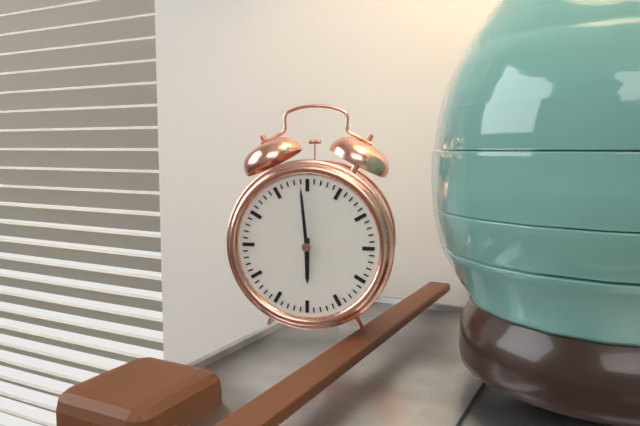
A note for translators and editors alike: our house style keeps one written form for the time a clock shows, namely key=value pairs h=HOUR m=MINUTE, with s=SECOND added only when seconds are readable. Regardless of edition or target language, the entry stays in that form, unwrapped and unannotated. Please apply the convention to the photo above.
h=5 m=59
